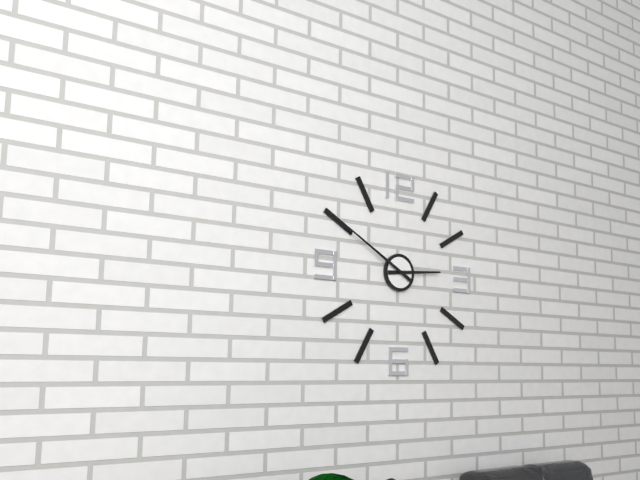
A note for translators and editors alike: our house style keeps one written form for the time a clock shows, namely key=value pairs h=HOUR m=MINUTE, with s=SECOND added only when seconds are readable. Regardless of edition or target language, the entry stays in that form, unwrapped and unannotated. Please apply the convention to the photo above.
h=2 m=50
